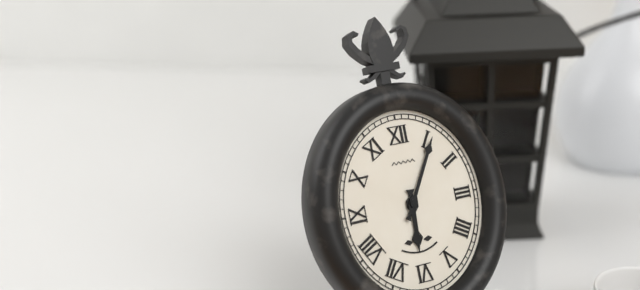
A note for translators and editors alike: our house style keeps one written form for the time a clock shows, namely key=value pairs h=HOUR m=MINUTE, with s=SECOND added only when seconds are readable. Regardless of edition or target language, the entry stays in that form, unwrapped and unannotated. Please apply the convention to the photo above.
h=6 m=5
